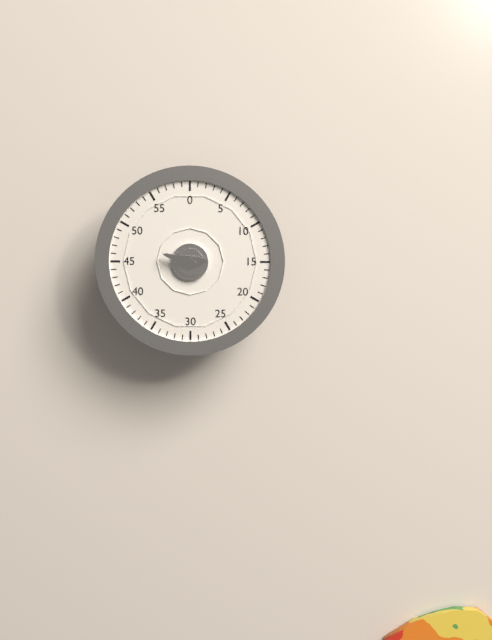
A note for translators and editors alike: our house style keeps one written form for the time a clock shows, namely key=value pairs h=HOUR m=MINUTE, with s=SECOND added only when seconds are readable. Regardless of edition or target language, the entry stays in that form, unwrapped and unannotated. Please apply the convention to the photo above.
h=2 m=48
